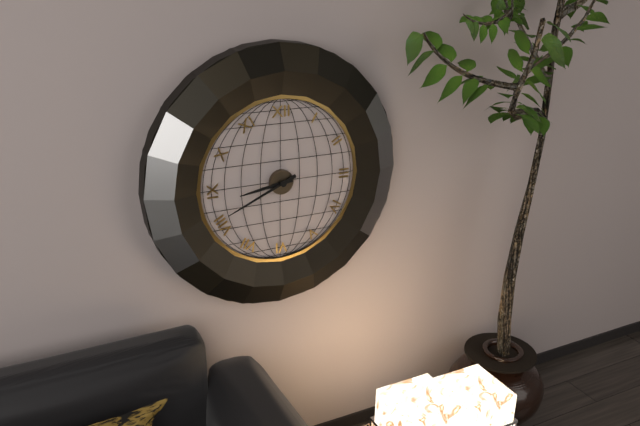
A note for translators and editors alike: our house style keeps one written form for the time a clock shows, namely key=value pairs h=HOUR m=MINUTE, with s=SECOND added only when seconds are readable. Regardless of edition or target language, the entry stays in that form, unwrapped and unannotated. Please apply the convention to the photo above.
h=8 m=41
